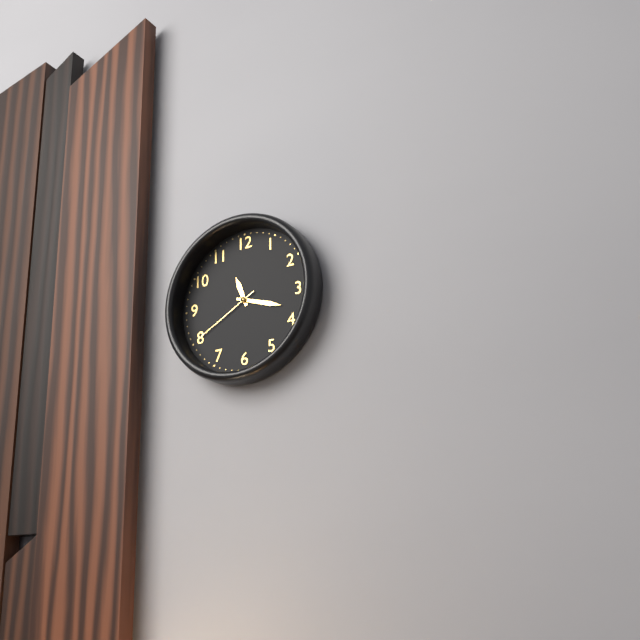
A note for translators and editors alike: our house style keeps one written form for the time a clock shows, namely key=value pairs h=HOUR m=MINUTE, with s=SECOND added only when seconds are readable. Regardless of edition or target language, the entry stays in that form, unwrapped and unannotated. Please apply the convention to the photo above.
h=11 m=18 s=40
